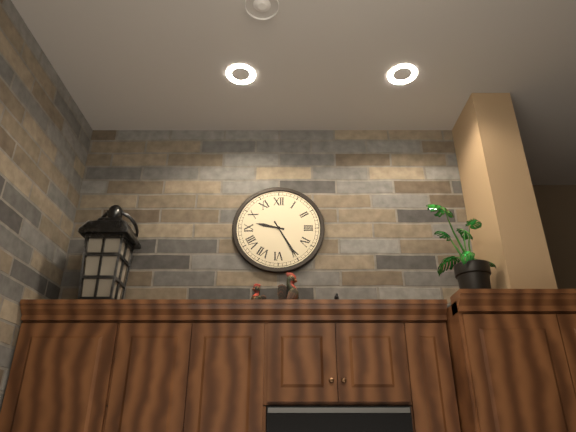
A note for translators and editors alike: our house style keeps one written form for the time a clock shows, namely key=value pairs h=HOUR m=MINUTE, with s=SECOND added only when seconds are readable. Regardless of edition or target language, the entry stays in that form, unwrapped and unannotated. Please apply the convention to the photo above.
h=9 m=25
